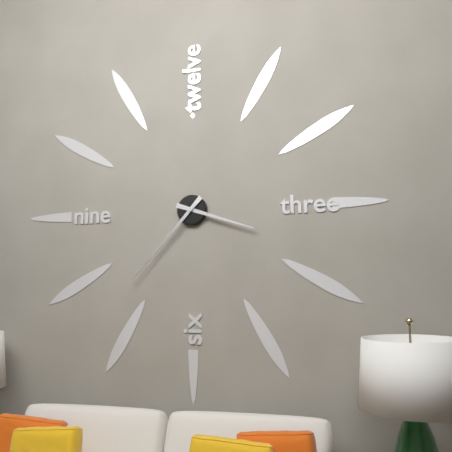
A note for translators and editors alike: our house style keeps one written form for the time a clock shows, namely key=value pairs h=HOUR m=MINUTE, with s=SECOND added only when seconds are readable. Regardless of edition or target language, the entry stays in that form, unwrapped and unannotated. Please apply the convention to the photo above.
h=3 m=37
